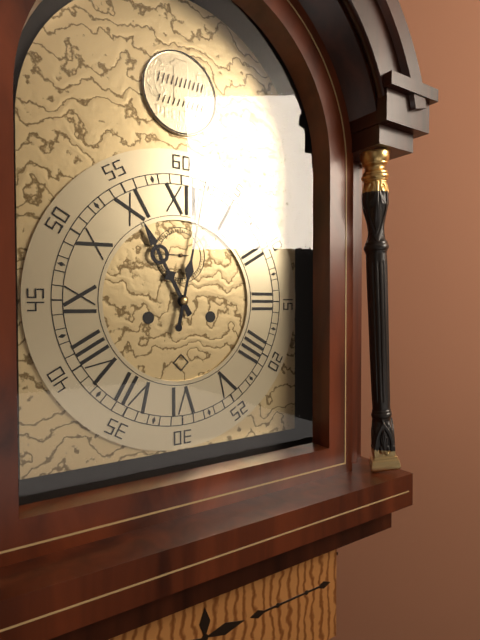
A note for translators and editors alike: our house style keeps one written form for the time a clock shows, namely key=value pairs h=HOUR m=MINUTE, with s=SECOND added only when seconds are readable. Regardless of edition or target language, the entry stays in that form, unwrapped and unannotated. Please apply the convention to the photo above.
h=11 m=2
